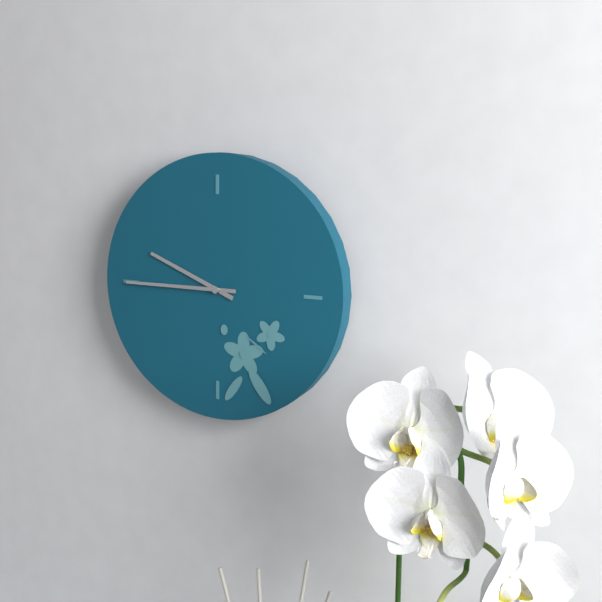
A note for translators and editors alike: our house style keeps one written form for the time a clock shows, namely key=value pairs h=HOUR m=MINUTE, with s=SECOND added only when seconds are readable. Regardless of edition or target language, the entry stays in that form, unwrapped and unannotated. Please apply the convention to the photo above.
h=9 m=45
